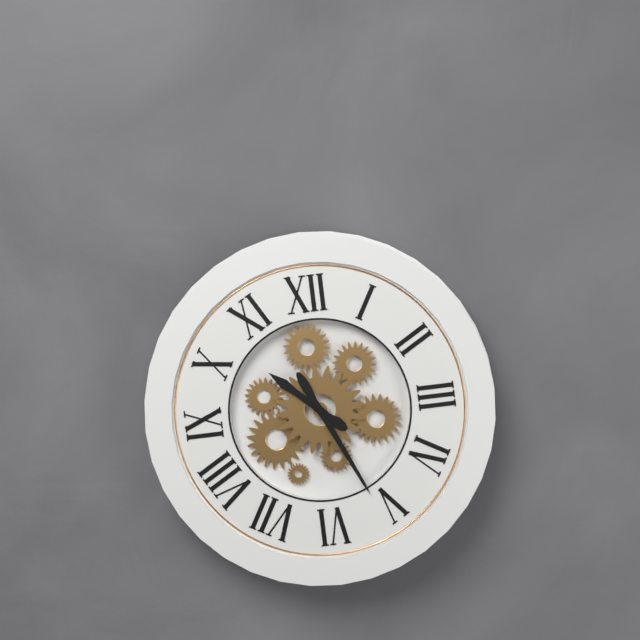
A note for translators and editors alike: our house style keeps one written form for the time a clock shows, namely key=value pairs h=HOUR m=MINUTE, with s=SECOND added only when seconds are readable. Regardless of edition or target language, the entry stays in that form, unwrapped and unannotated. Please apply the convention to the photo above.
h=10 m=26
